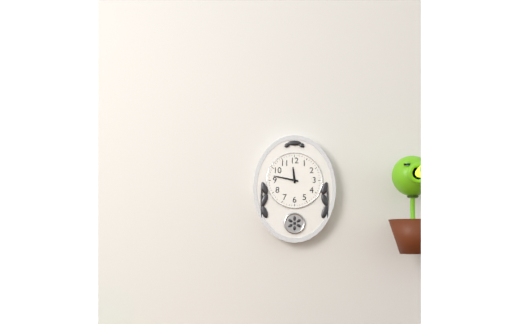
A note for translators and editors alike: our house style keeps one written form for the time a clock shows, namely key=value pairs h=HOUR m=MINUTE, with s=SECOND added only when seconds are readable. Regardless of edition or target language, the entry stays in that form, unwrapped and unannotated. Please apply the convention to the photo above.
h=11 m=47
